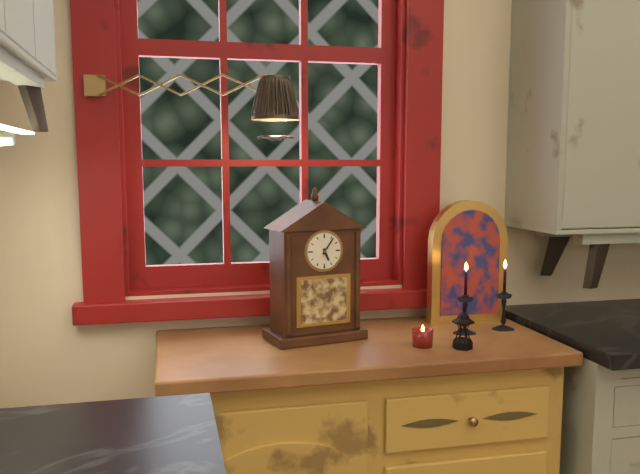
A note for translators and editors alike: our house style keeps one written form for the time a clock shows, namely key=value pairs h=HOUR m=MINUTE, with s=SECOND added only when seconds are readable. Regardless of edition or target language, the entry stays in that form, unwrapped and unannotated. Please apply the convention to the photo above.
h=5 m=6
